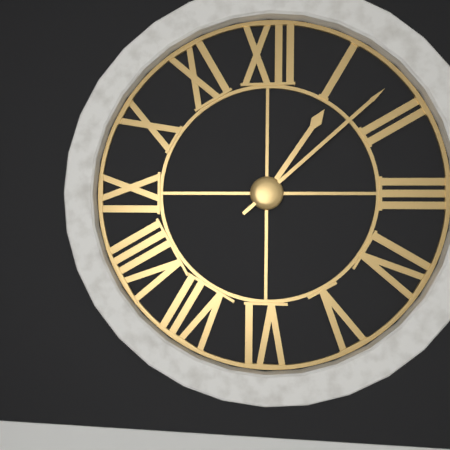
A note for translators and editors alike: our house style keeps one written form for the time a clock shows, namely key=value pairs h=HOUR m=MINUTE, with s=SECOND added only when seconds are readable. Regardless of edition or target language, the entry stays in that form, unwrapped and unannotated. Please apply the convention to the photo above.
h=1 m=8
